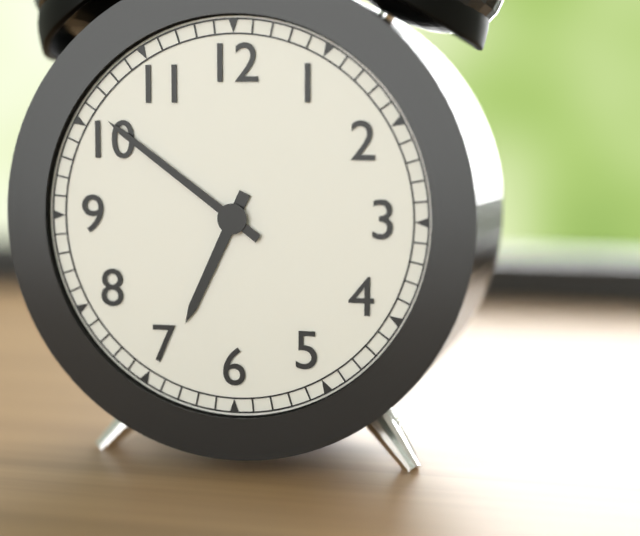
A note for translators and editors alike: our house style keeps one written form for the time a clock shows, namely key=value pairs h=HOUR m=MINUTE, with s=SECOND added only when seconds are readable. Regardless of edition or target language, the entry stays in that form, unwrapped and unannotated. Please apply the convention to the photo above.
h=6 m=51
